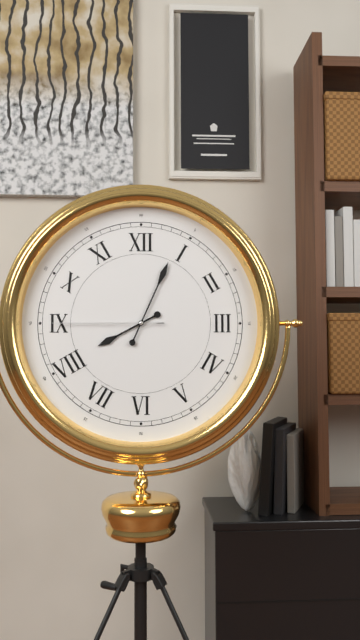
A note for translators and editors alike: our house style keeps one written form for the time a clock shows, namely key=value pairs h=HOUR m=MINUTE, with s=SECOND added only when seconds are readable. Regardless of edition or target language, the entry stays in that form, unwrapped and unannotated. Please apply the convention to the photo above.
h=8 m=4 s=45
